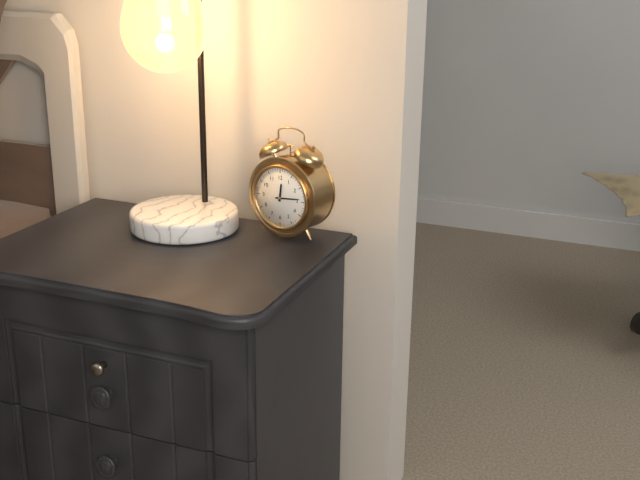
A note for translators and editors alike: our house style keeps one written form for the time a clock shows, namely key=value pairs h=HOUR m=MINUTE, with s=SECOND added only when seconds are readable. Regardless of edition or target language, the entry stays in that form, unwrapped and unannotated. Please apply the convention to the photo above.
h=12 m=14
